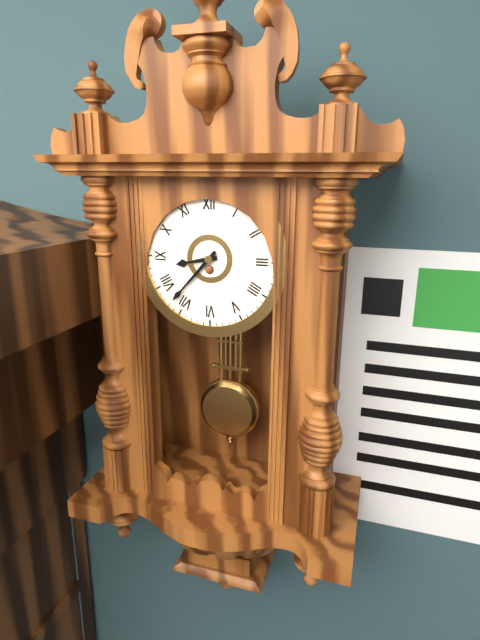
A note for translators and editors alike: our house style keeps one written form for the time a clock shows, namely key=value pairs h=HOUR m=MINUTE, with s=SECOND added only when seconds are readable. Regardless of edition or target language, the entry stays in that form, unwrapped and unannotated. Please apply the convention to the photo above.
h=8 m=37
